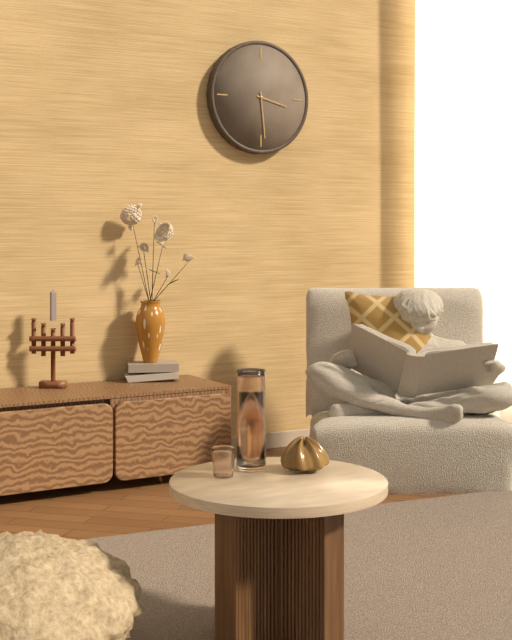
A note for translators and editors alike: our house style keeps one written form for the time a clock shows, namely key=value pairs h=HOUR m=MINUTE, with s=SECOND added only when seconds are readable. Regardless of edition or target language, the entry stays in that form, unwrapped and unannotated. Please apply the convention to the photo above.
h=3 m=29
